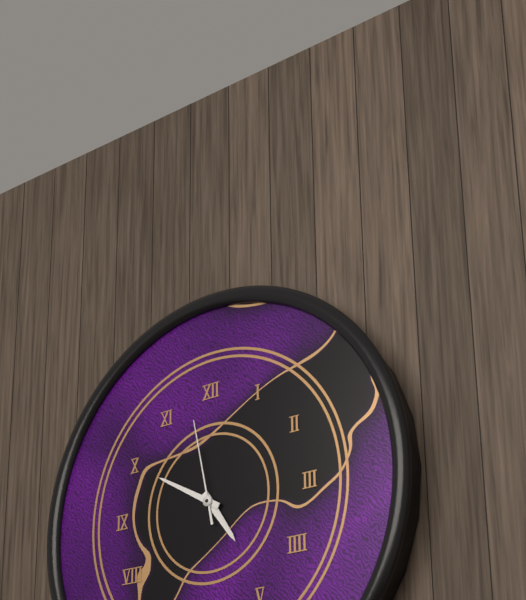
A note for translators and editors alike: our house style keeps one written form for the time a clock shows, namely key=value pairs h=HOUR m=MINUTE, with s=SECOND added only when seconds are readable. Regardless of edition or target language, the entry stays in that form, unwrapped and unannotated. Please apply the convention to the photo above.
h=4 m=50 s=58
